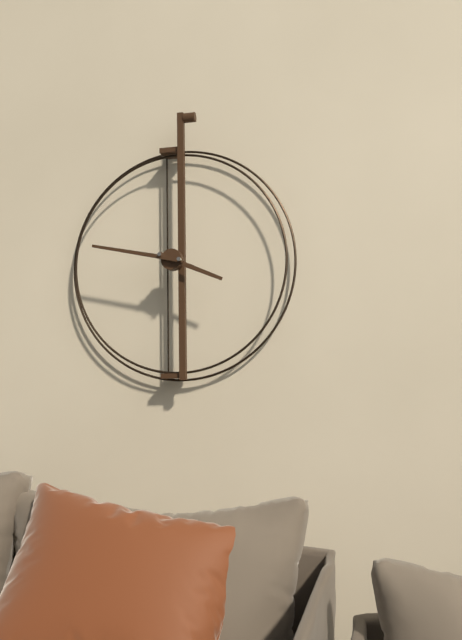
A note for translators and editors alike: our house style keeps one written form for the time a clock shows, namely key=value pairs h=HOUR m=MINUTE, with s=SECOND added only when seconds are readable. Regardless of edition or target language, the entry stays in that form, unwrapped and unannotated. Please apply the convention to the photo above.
h=3 m=47
